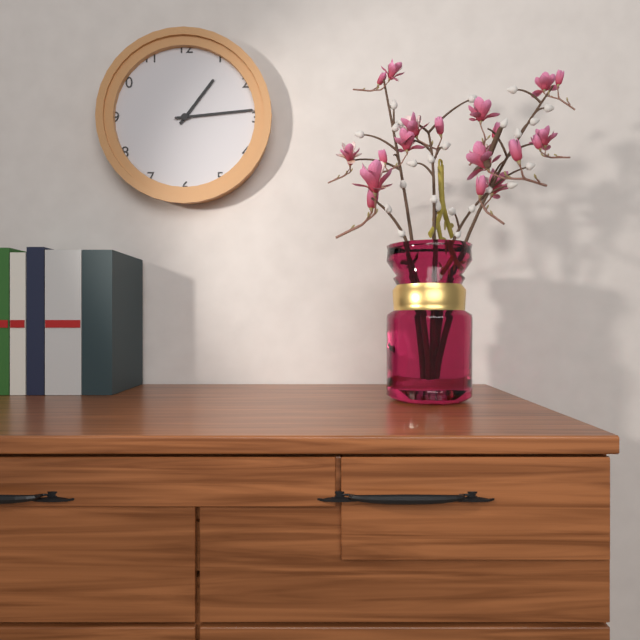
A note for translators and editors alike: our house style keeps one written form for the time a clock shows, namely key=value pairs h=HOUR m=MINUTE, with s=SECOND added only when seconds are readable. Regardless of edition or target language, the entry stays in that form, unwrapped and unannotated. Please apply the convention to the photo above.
h=1 m=14
